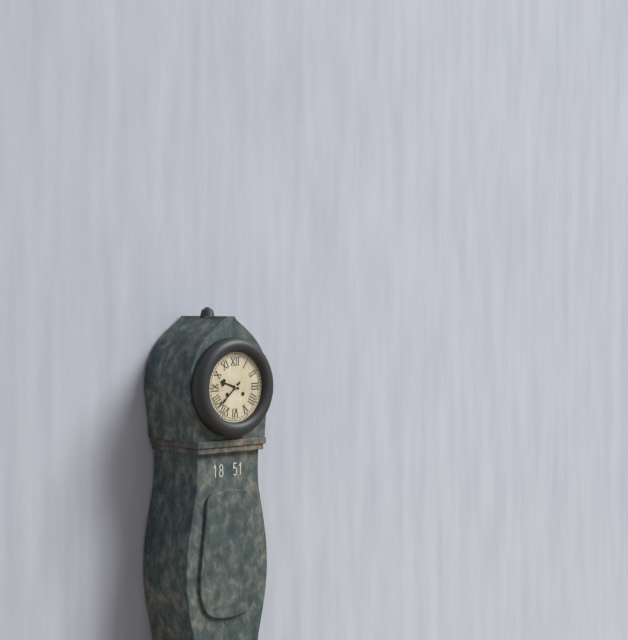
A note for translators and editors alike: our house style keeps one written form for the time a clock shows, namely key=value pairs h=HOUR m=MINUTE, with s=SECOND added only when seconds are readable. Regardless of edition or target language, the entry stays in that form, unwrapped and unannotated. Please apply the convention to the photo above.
h=9 m=38
